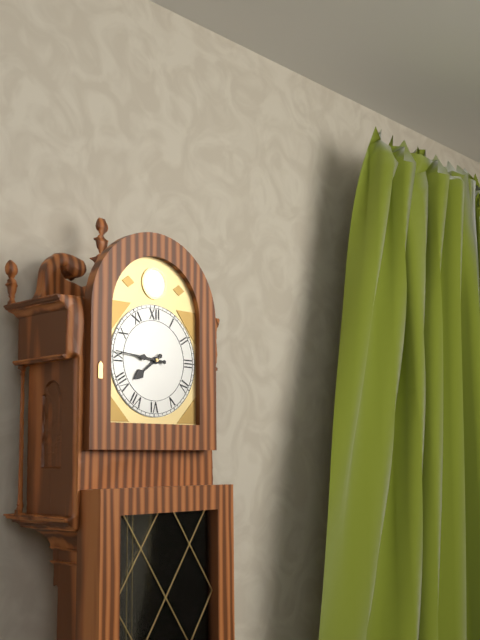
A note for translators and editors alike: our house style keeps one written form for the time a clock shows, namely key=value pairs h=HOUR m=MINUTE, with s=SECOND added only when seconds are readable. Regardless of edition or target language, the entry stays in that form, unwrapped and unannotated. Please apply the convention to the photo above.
h=7 m=46
